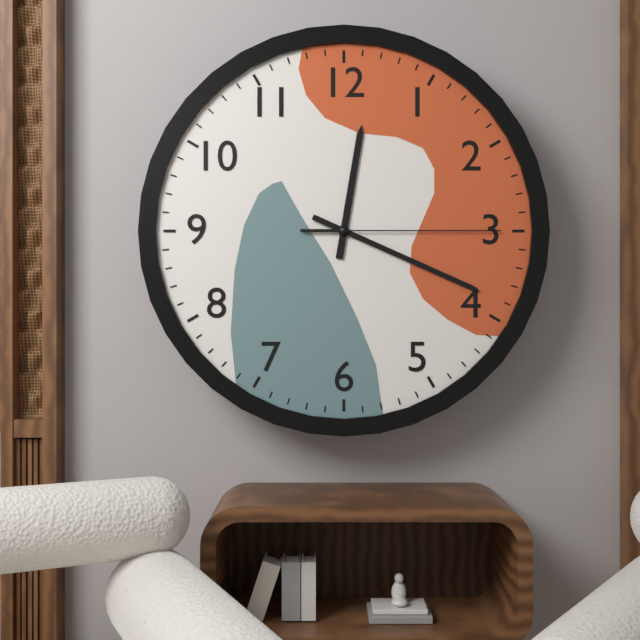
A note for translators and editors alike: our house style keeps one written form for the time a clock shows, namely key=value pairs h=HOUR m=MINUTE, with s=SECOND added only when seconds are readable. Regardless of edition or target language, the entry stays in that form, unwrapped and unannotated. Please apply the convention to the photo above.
h=12 m=19 s=15
